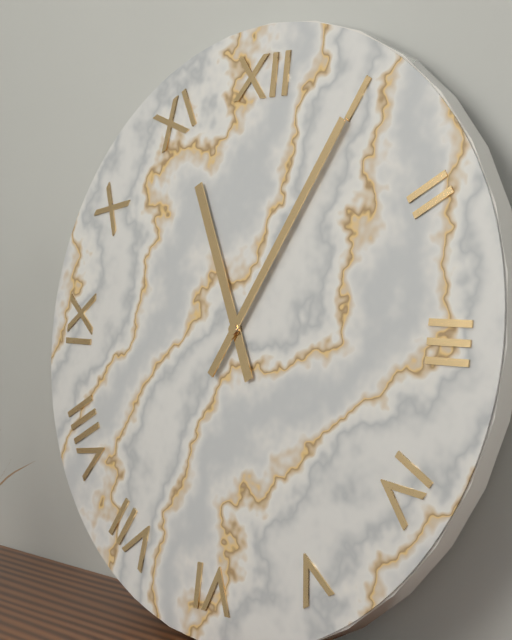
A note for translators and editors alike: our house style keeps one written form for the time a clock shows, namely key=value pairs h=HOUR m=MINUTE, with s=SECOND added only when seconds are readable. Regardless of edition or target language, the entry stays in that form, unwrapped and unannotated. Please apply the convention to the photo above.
h=11 m=5
